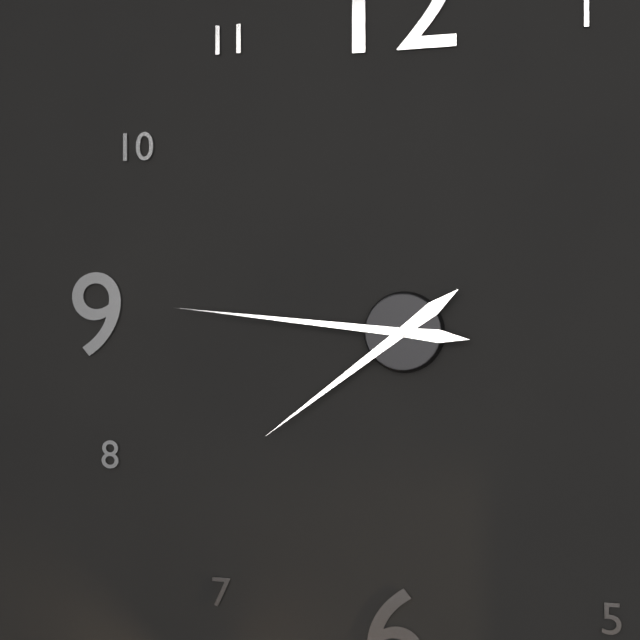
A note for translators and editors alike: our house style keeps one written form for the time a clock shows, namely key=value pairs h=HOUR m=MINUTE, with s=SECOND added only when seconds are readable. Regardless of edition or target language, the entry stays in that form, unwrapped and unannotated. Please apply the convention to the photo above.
h=7 m=46
